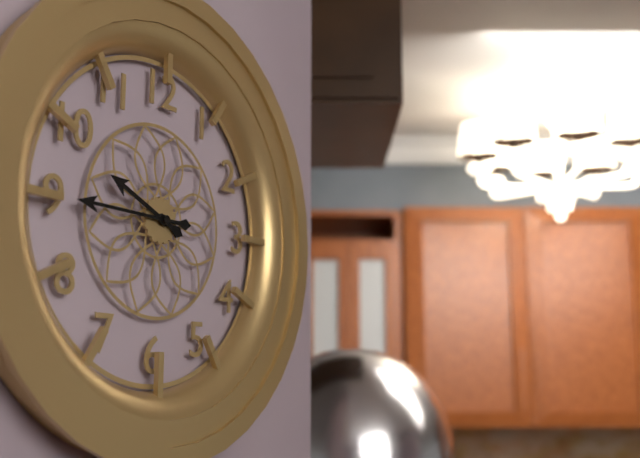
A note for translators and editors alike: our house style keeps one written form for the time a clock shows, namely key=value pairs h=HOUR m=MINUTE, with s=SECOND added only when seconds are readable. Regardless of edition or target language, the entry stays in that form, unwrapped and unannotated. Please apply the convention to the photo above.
h=9 m=45
